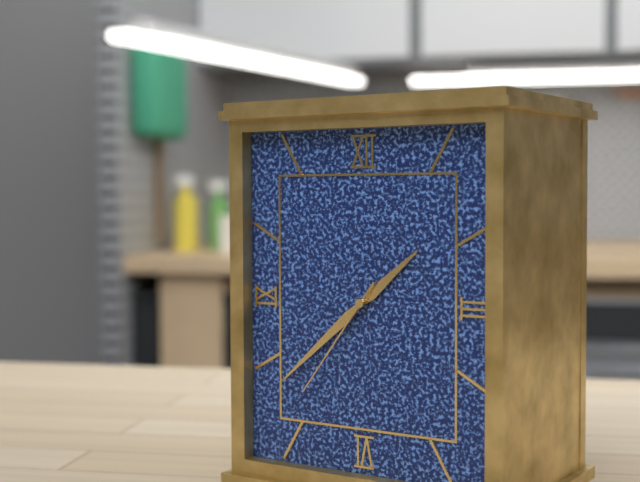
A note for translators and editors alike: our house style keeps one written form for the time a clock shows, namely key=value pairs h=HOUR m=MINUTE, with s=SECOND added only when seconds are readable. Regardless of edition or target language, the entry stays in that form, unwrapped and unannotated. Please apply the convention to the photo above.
h=1 m=38 s=36
